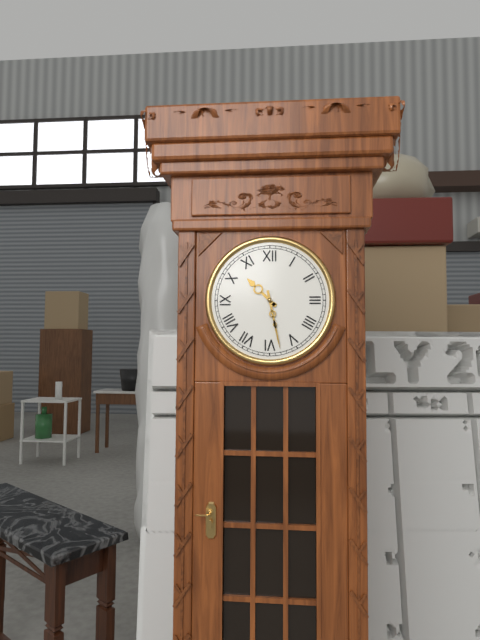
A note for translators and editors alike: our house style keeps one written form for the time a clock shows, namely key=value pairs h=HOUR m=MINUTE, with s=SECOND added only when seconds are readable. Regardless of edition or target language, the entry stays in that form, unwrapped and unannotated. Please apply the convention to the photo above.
h=10 m=28
